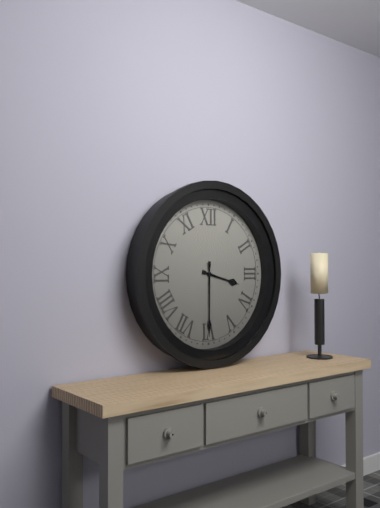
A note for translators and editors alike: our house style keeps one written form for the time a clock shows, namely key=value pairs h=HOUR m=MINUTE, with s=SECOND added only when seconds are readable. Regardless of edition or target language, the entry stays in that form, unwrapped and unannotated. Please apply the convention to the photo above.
h=3 m=30
